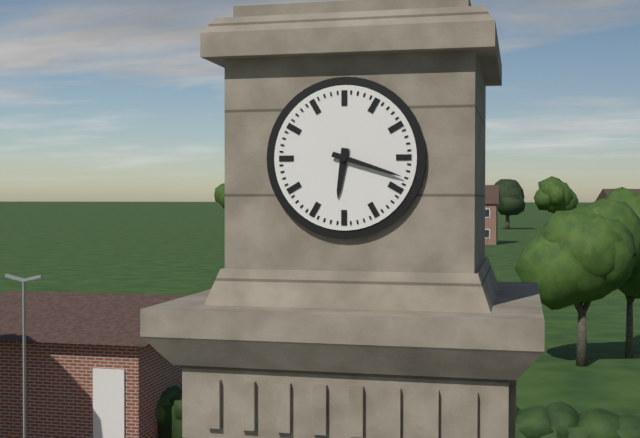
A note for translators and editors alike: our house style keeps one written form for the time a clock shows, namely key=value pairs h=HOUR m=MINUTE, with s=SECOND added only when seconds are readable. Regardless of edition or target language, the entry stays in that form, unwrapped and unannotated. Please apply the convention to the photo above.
h=6 m=18
